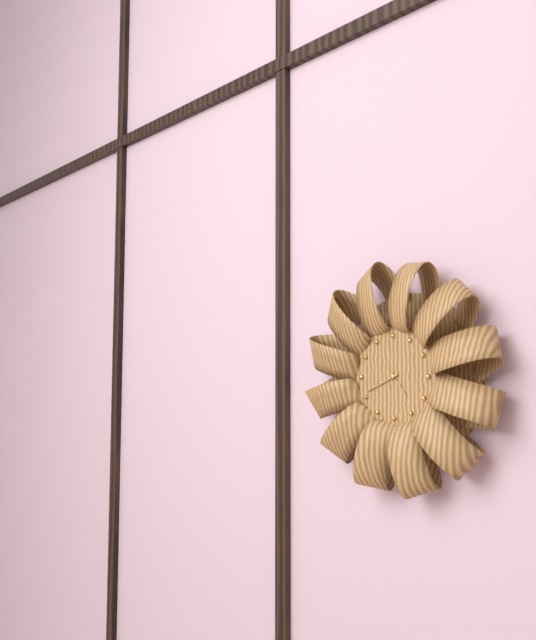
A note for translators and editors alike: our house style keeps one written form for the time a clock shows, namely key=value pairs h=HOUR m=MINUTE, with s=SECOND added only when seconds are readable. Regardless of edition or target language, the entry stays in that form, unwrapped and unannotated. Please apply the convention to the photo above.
h=4 m=41
